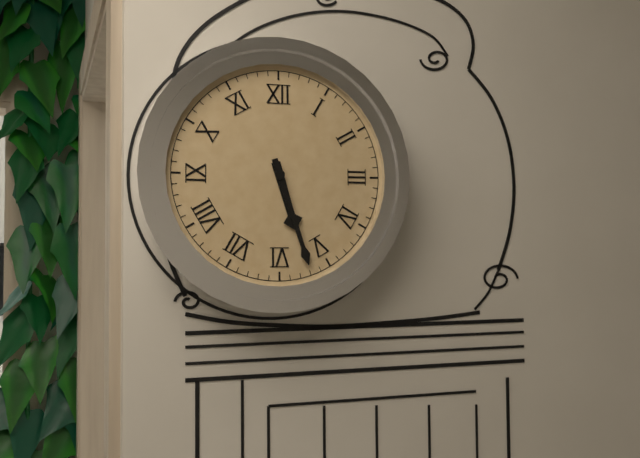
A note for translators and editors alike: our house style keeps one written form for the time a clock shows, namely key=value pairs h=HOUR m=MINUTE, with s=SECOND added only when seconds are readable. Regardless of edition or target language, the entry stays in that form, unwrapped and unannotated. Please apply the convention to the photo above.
h=5 m=27
